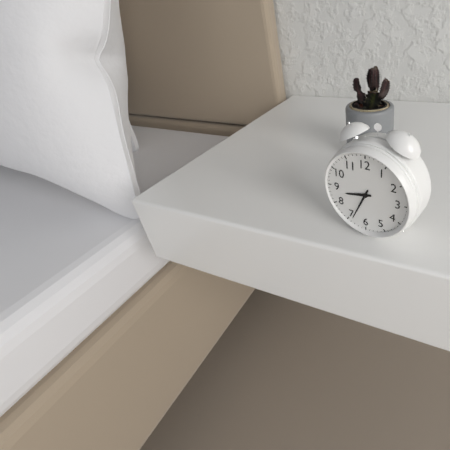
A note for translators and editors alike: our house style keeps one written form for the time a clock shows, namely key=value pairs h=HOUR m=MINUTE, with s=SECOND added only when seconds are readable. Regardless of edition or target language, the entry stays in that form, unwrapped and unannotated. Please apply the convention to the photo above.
h=8 m=34
